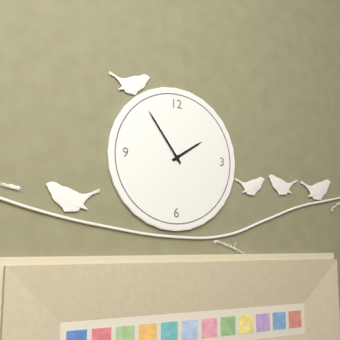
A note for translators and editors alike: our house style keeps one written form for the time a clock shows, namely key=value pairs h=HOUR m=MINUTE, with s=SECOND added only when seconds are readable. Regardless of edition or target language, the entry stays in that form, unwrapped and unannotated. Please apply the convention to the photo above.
h=1 m=54
